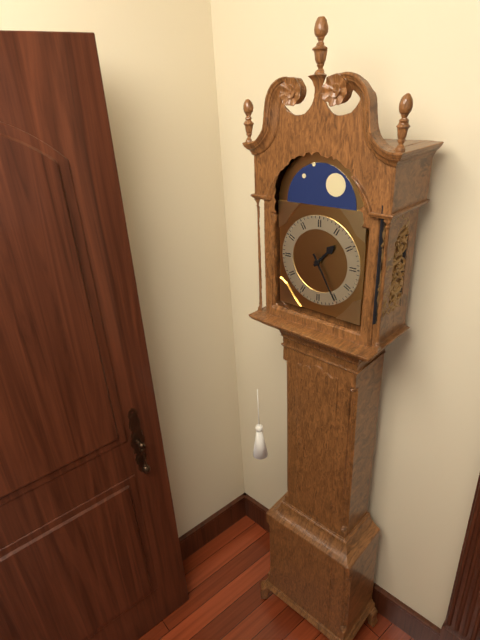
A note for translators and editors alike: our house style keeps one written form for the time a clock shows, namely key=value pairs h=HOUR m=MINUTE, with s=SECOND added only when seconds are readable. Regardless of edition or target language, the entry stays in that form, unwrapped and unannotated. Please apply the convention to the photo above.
h=1 m=25
